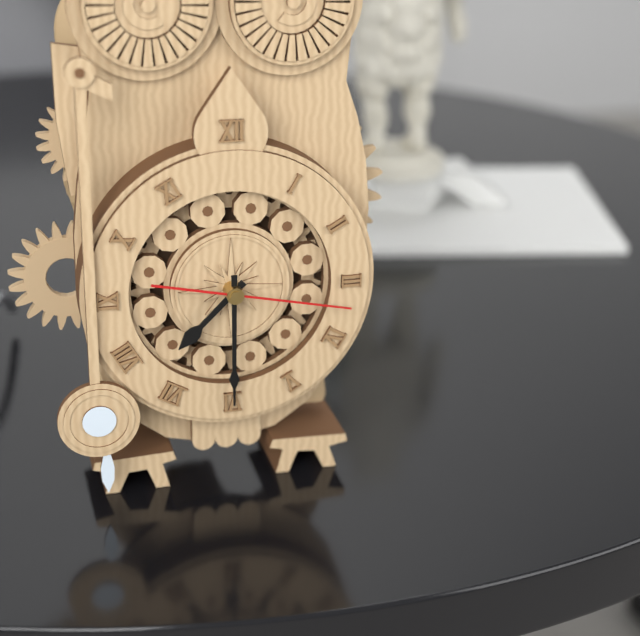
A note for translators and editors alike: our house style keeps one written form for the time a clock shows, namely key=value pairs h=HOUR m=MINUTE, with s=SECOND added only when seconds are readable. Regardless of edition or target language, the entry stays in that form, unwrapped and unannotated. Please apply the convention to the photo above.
h=7 m=30 s=17
